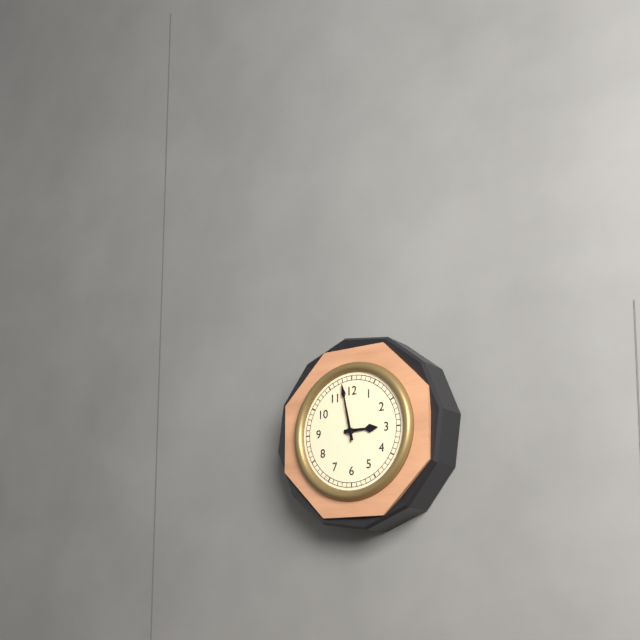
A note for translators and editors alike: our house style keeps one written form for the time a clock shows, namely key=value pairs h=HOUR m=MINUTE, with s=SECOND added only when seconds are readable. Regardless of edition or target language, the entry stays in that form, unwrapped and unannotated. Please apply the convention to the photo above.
h=2 m=58
